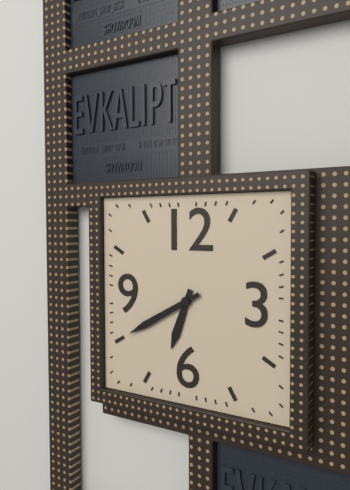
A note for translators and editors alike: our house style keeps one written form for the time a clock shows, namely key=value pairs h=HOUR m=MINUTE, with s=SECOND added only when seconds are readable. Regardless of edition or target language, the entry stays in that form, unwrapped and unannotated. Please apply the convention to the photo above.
h=6 m=40
